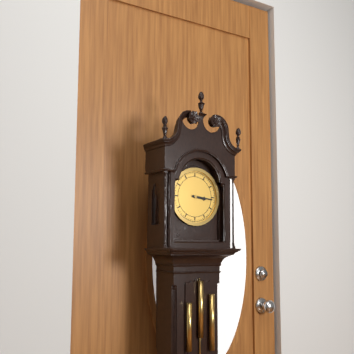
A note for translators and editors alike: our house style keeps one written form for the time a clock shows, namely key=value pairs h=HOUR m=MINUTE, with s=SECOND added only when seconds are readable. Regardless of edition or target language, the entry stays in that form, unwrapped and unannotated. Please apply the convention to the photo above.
h=3 m=16
